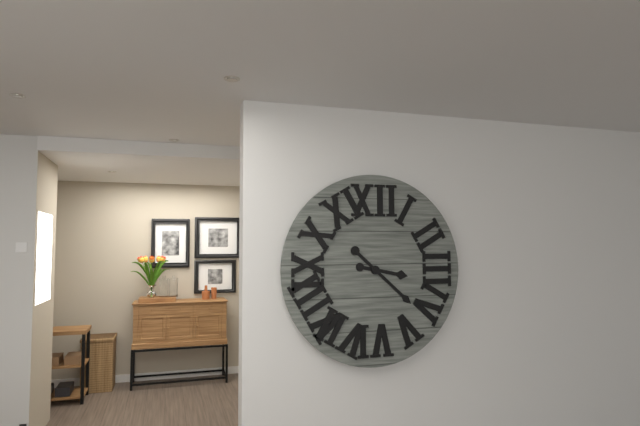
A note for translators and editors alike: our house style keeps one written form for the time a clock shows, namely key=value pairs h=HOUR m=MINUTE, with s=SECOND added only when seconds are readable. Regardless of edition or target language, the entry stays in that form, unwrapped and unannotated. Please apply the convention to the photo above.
h=3 m=22
